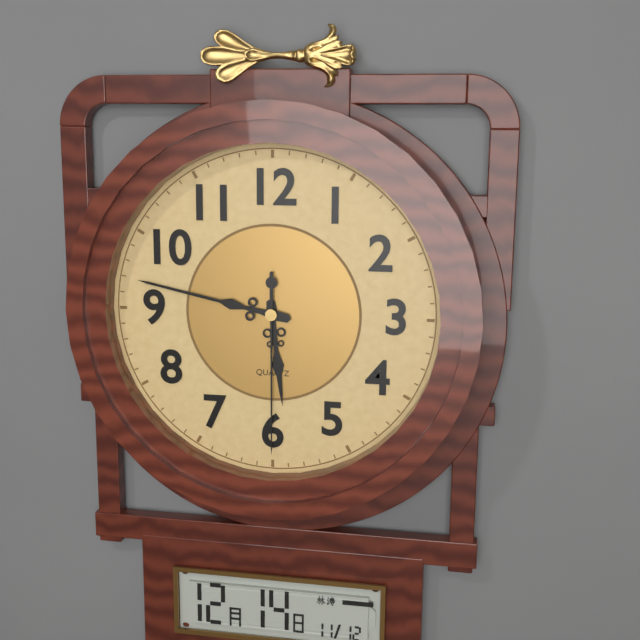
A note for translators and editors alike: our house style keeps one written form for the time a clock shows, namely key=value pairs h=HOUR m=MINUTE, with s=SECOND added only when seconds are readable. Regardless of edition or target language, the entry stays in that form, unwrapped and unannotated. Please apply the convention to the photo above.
h=5 m=47 s=30
